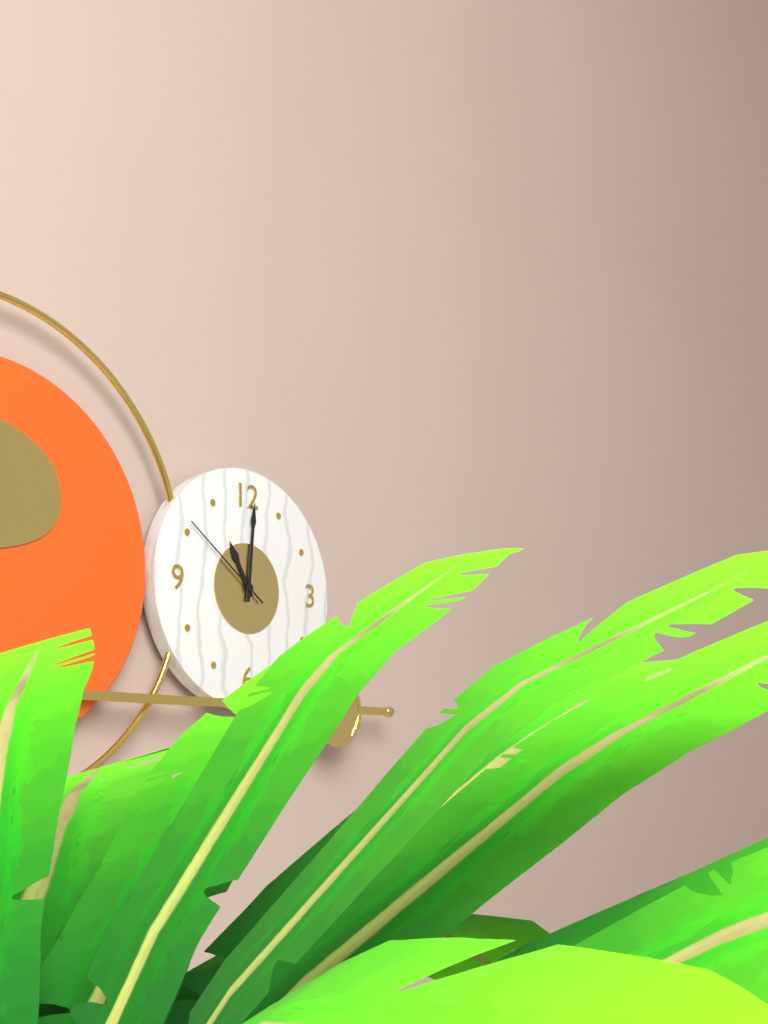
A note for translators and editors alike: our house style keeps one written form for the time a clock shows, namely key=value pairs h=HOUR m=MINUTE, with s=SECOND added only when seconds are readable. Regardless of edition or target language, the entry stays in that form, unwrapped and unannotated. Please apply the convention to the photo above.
h=11 m=1 s=51
